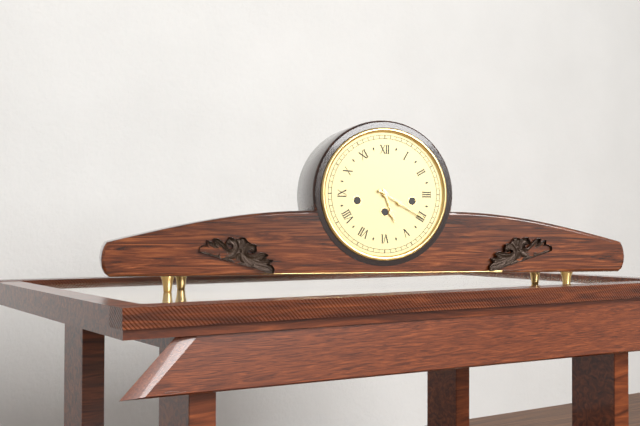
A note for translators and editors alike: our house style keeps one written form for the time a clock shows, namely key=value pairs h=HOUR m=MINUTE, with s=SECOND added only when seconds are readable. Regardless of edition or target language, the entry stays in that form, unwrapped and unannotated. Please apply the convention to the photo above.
h=5 m=20
